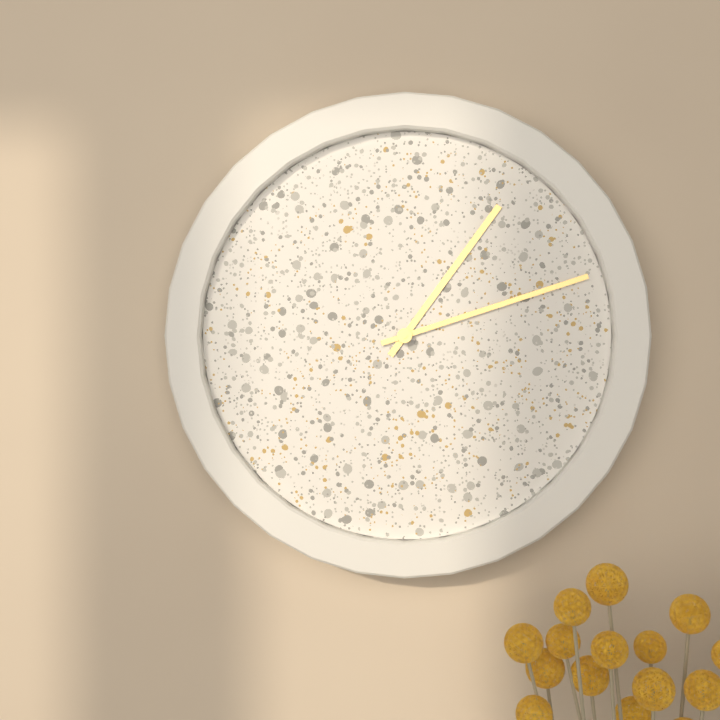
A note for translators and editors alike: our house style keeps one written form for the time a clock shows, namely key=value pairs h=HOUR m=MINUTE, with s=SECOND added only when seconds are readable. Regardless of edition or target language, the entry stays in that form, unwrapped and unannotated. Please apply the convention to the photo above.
h=1 m=12
